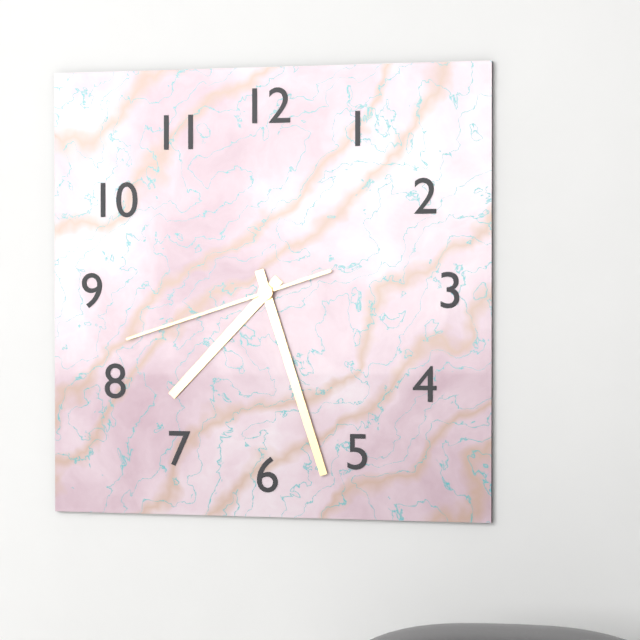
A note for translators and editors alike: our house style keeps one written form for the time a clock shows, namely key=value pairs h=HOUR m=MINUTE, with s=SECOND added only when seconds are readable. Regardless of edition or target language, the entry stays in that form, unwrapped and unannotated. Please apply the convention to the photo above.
h=7 m=27 s=42
